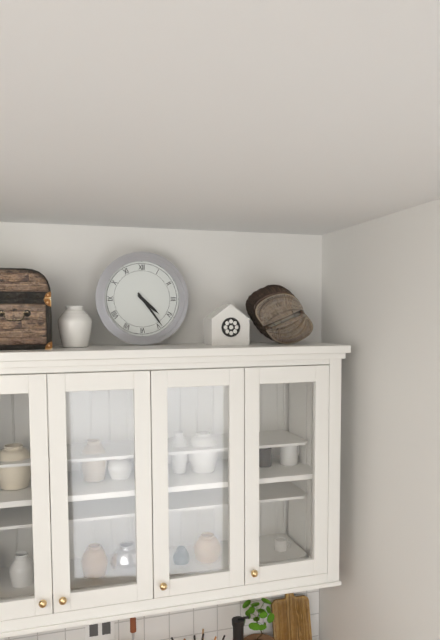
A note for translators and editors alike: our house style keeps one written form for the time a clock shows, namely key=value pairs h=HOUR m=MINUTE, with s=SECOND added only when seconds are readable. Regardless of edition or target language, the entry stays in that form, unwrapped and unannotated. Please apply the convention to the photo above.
h=4 m=24
